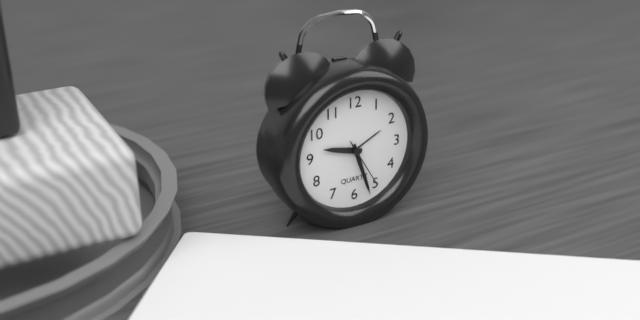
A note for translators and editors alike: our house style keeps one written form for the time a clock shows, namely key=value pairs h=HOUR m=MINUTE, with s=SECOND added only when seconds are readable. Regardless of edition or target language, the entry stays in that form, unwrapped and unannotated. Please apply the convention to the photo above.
h=9 m=27
